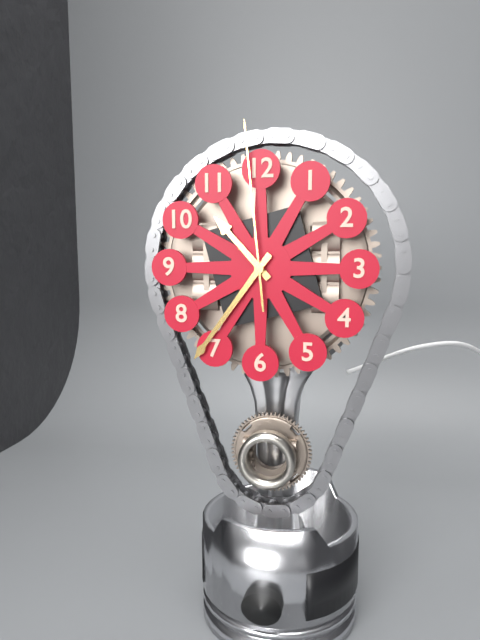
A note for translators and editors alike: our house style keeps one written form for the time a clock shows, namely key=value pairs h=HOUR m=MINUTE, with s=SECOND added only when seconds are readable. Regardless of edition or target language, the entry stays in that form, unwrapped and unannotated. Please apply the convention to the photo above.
h=10 m=36 s=59
